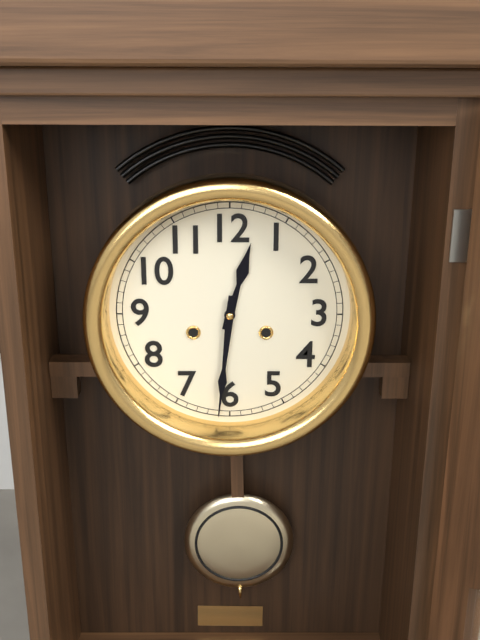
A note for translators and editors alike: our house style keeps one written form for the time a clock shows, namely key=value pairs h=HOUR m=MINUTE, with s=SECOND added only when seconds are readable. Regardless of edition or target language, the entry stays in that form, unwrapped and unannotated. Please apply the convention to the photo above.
h=12 m=31
